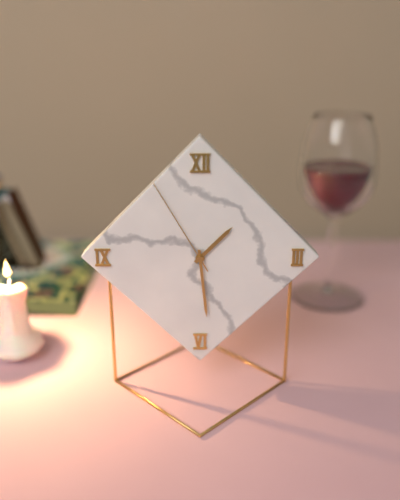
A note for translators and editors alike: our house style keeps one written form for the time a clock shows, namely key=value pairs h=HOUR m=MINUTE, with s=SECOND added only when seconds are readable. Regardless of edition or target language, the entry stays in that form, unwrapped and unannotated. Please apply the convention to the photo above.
h=1 m=29 s=55
